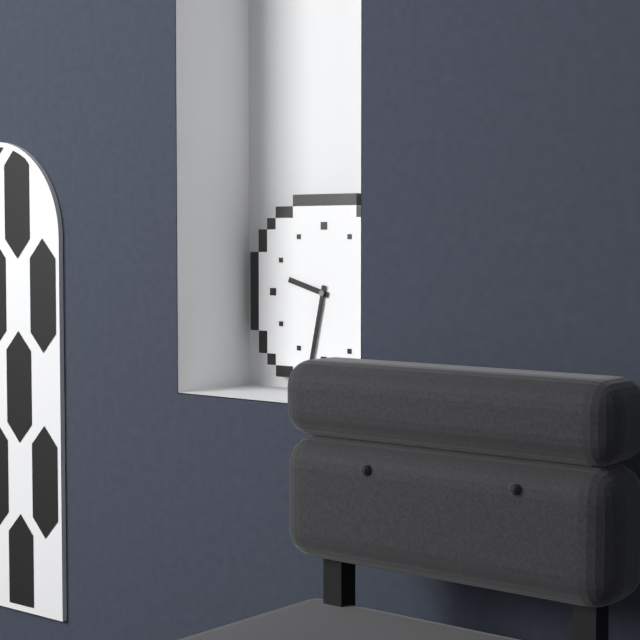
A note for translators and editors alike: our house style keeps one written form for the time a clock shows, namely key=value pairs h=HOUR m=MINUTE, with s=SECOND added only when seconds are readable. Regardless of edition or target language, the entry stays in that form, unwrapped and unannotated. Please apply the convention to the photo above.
h=9 m=32
